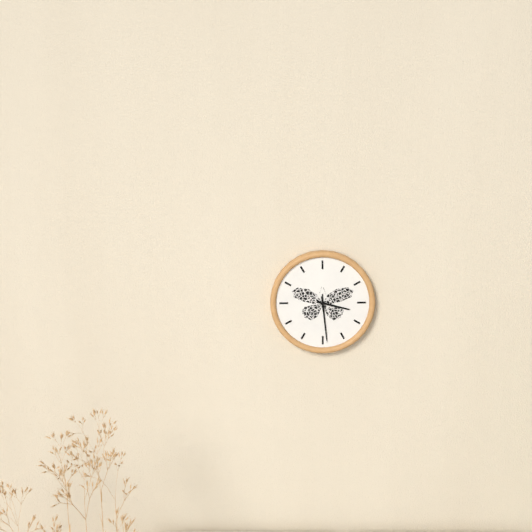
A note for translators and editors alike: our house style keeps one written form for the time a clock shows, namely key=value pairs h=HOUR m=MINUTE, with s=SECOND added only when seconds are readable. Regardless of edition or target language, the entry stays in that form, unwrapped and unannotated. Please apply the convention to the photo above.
h=3 m=29
